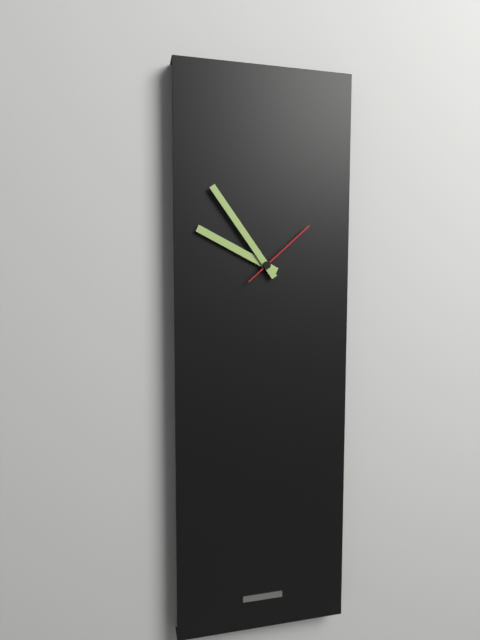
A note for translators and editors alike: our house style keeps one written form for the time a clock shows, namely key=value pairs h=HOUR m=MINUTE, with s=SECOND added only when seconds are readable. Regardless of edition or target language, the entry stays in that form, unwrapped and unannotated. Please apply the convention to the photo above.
h=9 m=54 s=8
